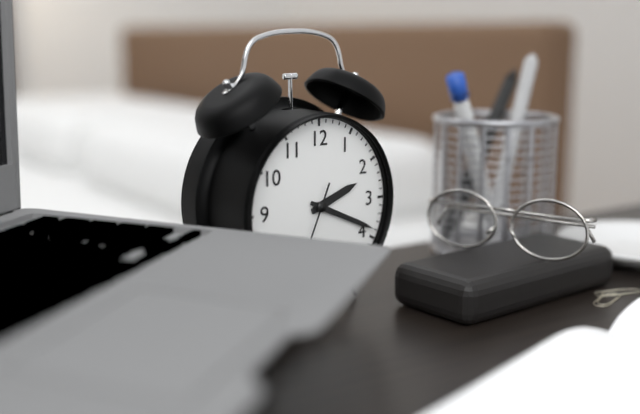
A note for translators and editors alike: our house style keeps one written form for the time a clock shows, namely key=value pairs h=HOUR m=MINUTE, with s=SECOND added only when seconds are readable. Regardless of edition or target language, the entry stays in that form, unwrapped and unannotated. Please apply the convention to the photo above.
h=2 m=19
